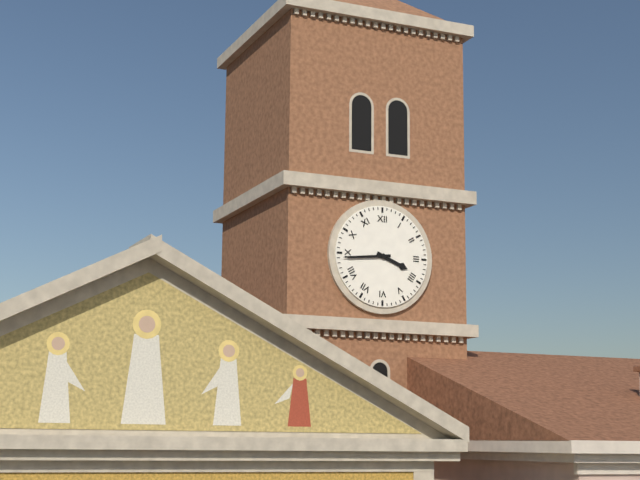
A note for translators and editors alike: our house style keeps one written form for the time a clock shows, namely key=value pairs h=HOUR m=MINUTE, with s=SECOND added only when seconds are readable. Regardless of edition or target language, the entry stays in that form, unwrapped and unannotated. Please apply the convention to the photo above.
h=3 m=44
